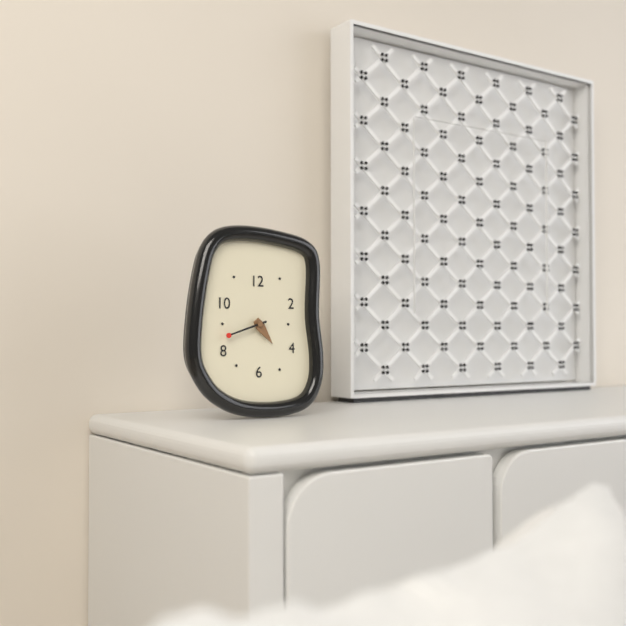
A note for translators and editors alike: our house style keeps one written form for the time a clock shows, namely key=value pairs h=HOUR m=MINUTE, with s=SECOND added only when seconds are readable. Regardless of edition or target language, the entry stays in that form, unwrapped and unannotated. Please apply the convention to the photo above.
h=4 m=42
